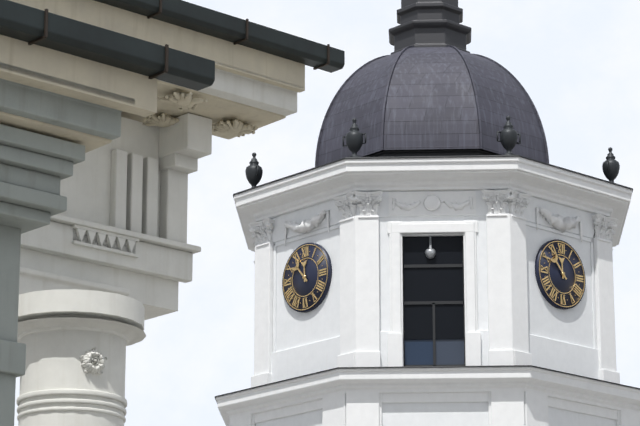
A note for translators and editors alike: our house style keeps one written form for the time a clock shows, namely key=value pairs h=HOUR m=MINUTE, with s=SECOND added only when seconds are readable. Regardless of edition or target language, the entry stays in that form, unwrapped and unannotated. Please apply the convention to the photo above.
h=11 m=53
